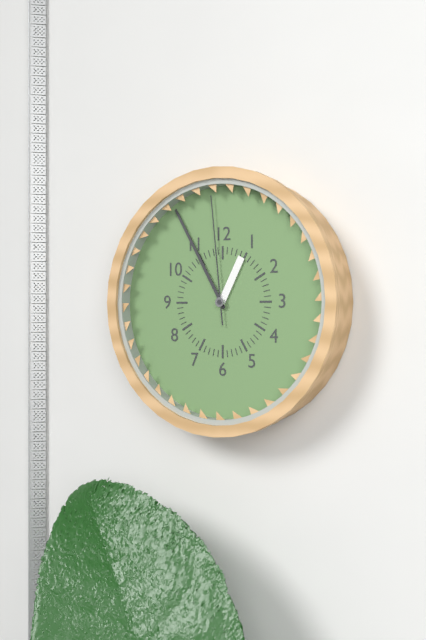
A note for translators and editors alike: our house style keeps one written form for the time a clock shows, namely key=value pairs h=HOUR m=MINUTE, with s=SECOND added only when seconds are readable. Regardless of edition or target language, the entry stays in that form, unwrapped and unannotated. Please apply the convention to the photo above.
h=12 m=55 s=59
